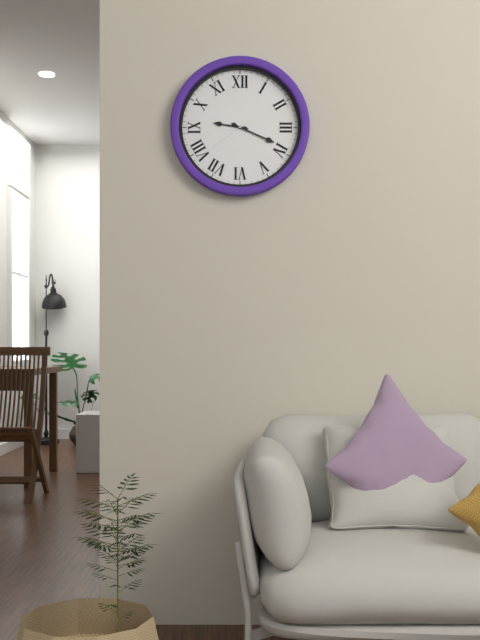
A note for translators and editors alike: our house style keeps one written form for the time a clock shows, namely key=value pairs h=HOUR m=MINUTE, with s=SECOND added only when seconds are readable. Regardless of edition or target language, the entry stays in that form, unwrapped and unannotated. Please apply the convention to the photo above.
h=9 m=19 s=39
